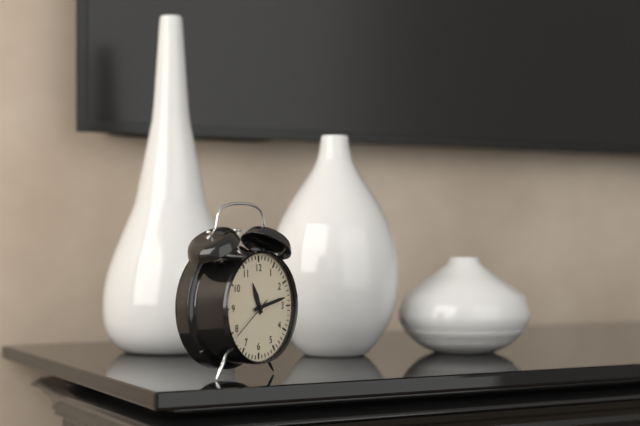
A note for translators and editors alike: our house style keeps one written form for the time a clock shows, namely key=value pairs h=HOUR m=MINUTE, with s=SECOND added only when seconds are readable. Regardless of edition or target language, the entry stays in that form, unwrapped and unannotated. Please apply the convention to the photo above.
h=11 m=13
